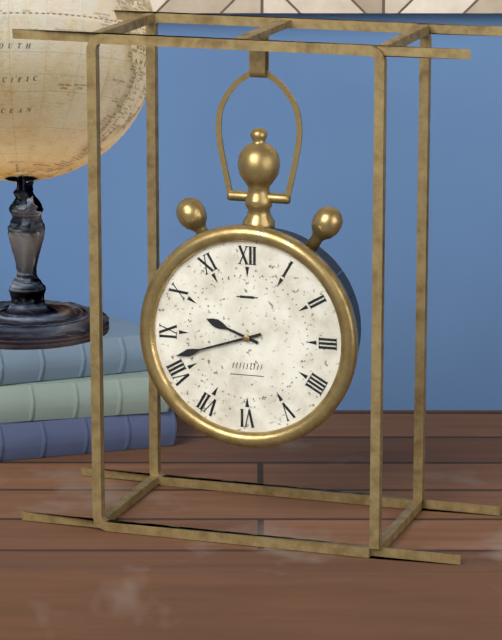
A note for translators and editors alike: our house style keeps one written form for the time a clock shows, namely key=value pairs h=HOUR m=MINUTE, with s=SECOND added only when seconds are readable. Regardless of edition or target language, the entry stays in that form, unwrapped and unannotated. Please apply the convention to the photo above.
h=9 m=42
